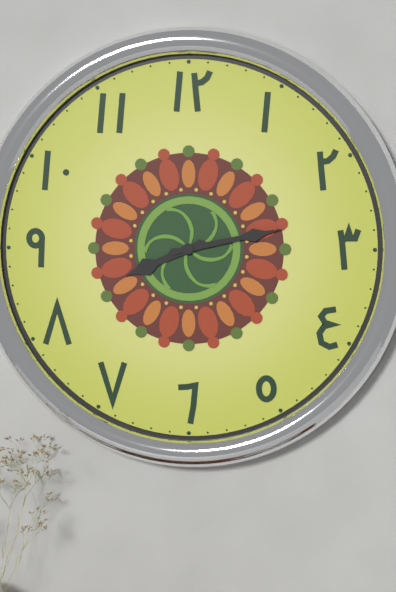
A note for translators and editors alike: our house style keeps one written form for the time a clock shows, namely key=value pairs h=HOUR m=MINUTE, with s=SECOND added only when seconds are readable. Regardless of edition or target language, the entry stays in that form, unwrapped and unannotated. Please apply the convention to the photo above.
h=8 m=13
